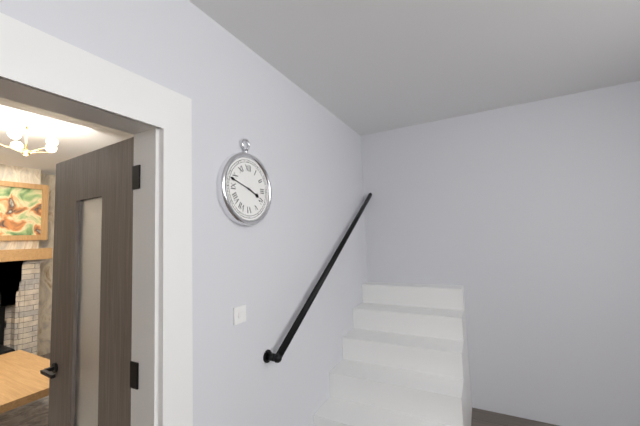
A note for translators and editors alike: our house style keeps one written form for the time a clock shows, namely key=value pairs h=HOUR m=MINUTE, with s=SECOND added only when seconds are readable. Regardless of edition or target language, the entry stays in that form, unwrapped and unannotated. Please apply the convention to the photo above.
h=3 m=48
